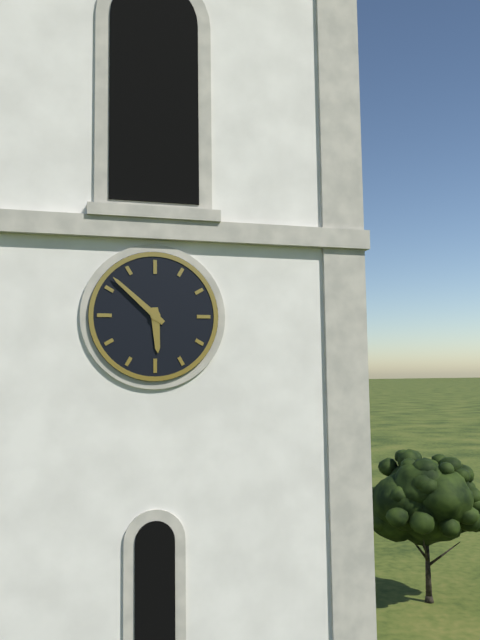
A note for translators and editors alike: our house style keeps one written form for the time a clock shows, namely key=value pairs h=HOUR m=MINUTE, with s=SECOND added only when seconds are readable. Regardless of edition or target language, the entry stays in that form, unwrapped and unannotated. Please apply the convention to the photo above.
h=5 m=52
